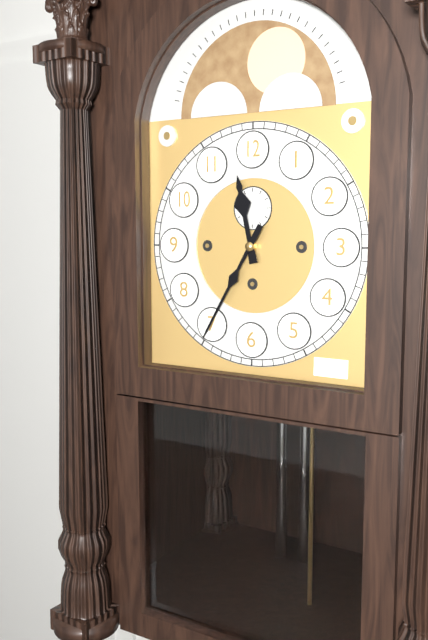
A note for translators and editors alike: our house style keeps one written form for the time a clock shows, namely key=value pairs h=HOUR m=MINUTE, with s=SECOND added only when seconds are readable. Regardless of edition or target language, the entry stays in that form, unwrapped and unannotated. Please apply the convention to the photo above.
h=11 m=35
